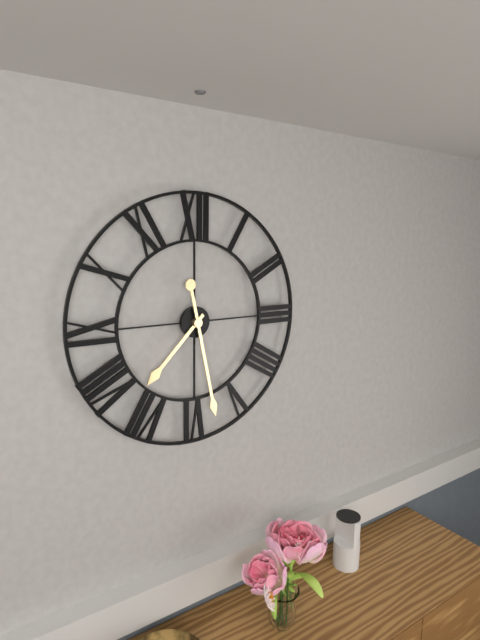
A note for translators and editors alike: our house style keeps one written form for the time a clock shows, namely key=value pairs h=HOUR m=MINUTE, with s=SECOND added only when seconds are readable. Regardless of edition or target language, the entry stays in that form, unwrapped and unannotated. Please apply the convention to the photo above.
h=7 m=28
